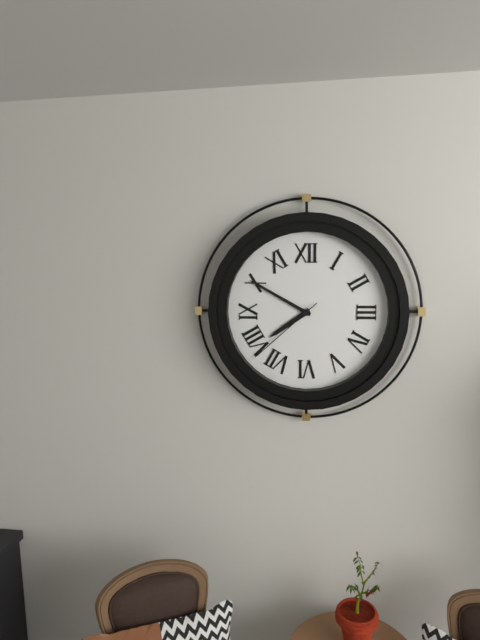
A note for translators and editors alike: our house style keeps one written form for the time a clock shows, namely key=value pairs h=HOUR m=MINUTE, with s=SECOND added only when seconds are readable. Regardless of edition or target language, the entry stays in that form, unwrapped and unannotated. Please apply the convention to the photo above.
h=7 m=50 s=38
